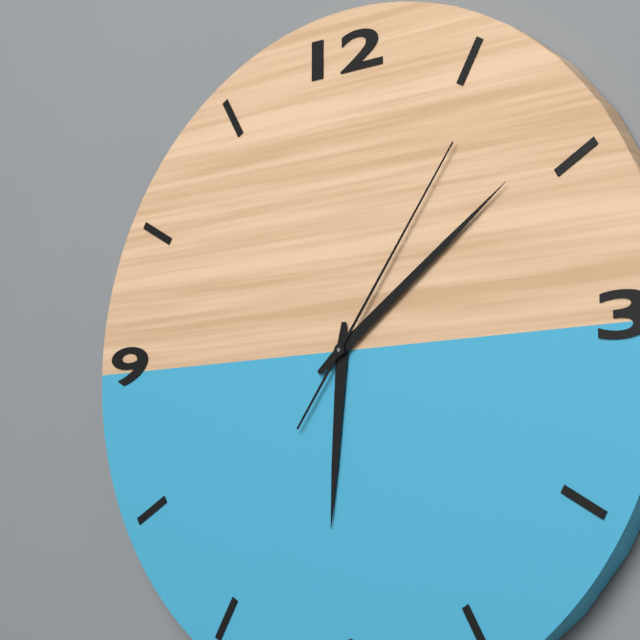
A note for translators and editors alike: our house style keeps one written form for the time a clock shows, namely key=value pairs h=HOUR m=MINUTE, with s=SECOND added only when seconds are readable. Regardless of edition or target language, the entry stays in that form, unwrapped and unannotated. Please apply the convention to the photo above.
h=6 m=9 s=6
